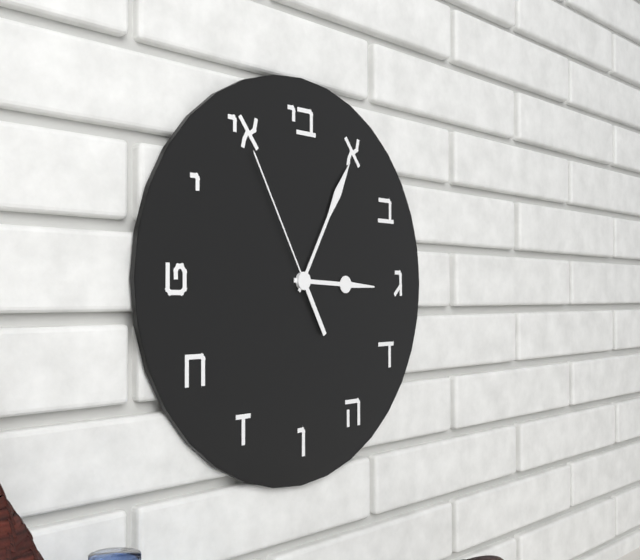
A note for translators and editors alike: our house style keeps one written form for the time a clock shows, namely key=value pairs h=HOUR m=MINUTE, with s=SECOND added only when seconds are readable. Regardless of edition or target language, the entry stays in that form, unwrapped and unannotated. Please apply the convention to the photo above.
h=3 m=5 s=55
